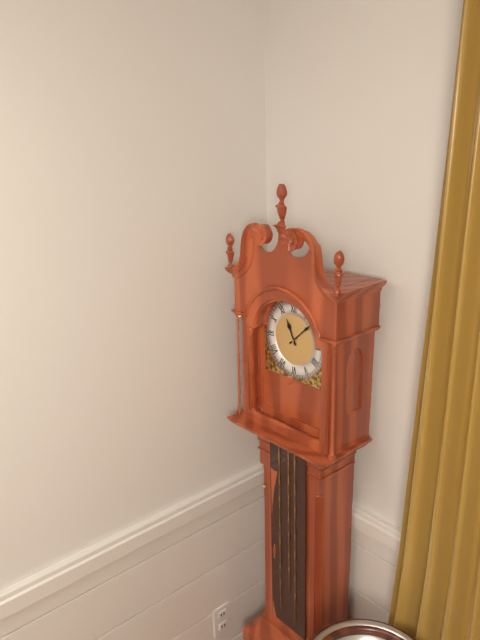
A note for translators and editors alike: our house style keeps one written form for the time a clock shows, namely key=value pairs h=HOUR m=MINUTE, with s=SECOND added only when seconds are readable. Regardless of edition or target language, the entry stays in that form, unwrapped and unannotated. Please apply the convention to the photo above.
h=11 m=8
